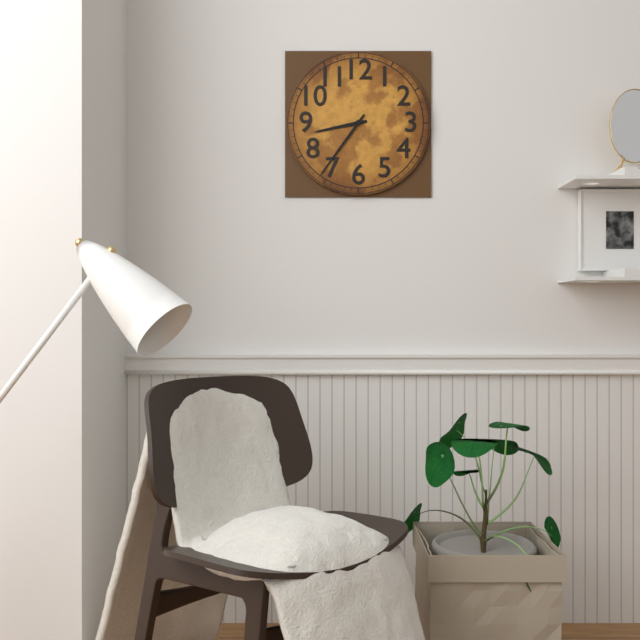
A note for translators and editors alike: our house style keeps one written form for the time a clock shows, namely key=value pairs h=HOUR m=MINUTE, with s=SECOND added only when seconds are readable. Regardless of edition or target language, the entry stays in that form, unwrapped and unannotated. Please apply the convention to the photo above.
h=8 m=36
